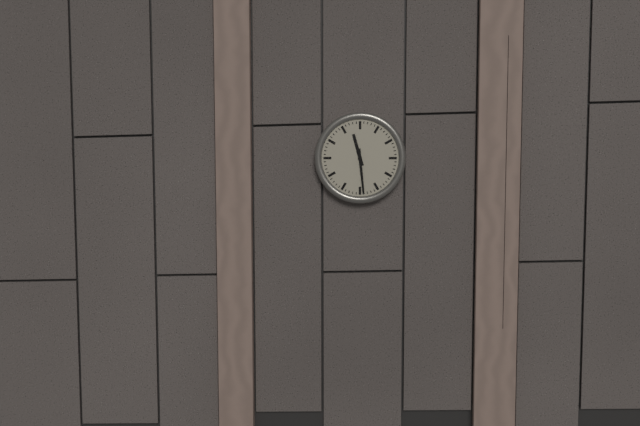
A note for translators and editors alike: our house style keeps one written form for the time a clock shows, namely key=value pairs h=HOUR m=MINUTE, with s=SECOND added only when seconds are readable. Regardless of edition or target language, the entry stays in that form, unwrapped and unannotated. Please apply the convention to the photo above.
h=11 m=29
